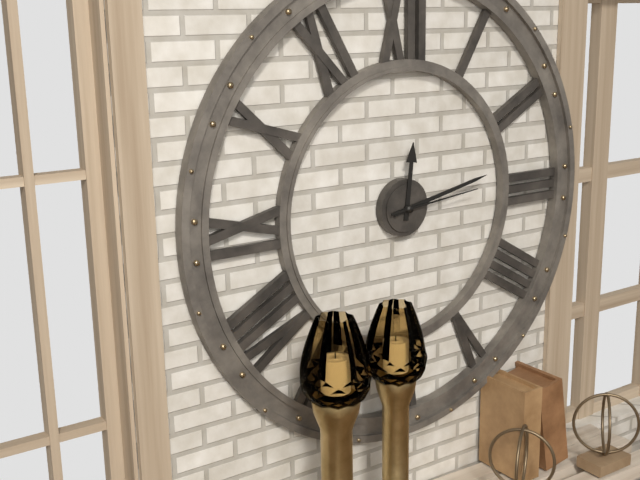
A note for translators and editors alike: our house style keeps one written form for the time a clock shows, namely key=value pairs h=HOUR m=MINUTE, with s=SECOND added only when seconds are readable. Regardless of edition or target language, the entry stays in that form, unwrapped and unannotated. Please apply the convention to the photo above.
h=12 m=13 s=14
